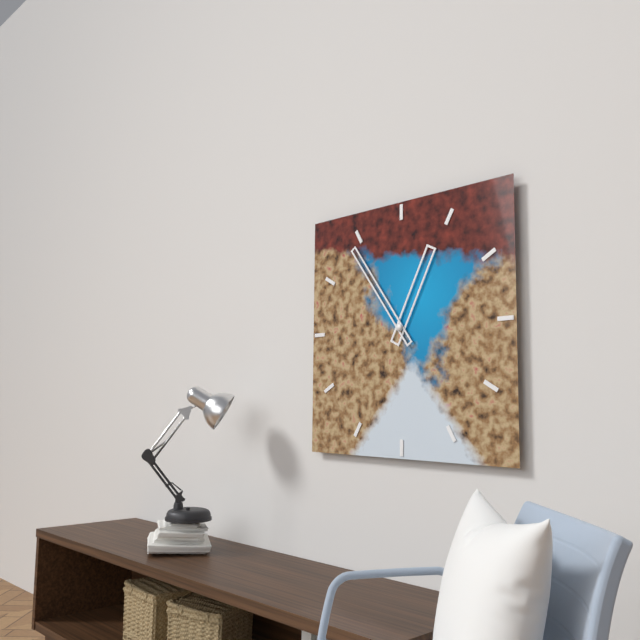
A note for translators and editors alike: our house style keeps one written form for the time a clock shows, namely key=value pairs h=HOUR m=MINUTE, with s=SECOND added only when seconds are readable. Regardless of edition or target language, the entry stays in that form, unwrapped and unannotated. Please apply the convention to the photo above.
h=12 m=54
